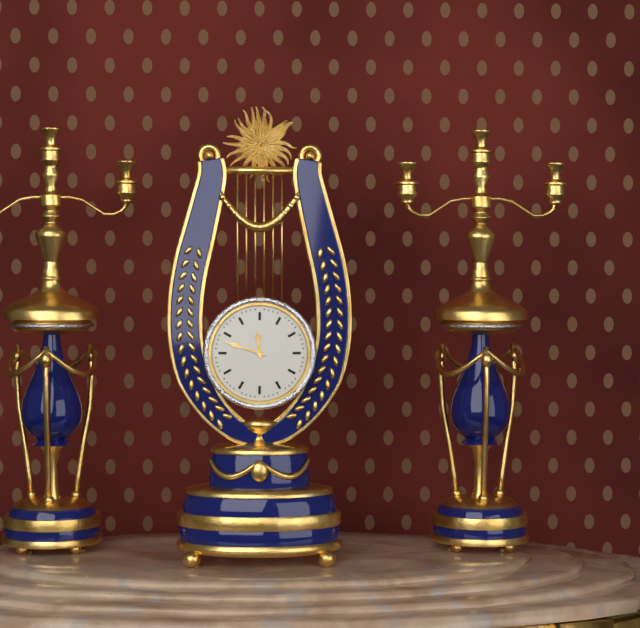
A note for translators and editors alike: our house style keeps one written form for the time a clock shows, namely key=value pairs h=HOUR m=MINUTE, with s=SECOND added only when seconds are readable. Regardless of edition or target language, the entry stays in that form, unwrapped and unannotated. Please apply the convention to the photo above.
h=11 m=48
